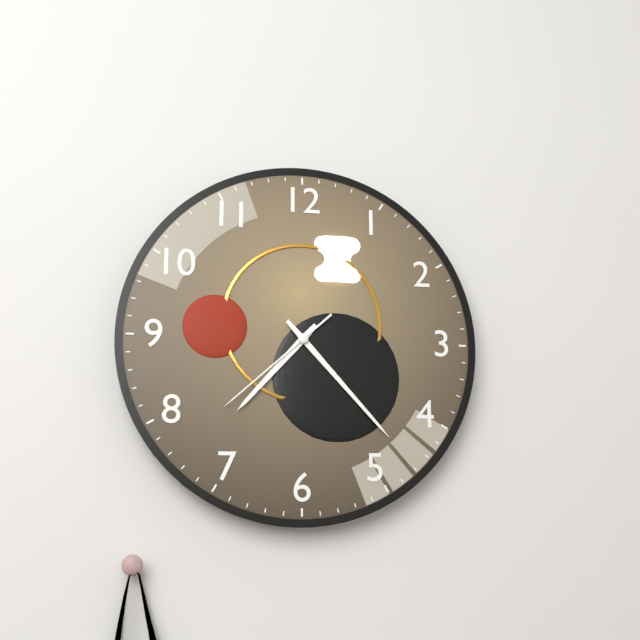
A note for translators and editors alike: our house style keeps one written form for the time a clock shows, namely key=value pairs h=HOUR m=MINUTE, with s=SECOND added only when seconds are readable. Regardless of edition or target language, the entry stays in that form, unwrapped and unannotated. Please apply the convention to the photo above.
h=7 m=23 s=38
